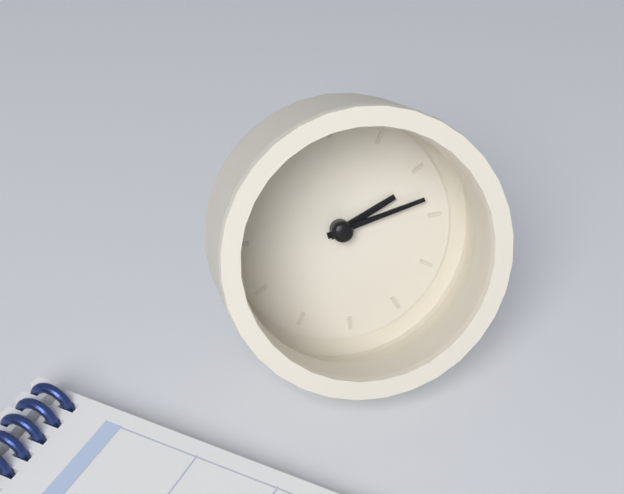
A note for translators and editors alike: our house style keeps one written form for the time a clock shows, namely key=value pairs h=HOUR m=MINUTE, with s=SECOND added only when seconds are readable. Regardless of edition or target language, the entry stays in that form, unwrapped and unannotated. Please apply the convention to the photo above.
h=2 m=13
